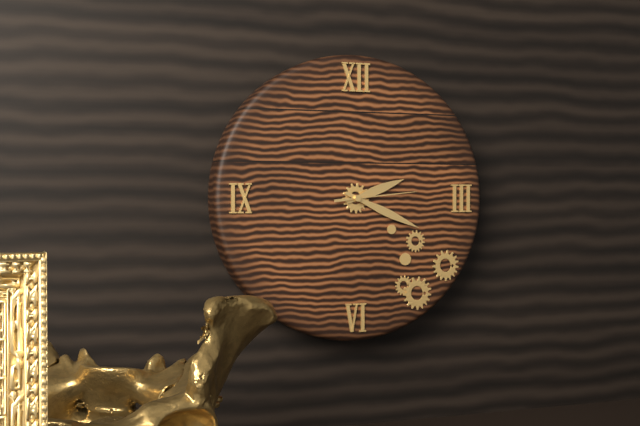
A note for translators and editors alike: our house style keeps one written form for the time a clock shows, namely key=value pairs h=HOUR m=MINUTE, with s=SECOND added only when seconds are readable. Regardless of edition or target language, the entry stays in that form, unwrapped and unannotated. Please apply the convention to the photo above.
h=2 m=19 s=14
